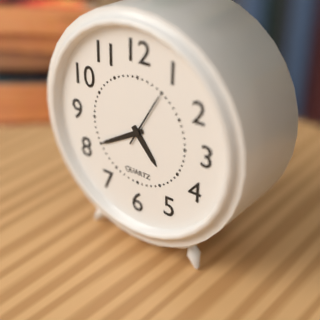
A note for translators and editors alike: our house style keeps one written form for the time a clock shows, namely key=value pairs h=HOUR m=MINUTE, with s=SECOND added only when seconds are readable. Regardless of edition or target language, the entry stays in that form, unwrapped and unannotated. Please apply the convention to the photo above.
h=4 m=40 s=5
